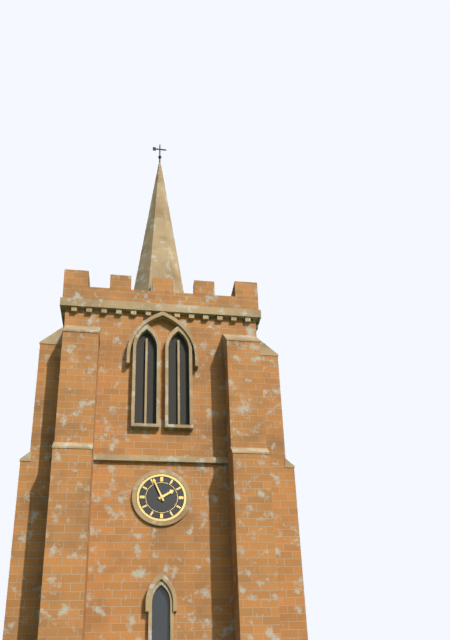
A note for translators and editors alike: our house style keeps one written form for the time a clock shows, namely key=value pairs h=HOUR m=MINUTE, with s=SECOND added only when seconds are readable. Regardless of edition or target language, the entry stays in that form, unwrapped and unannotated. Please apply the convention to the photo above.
h=1 m=56
